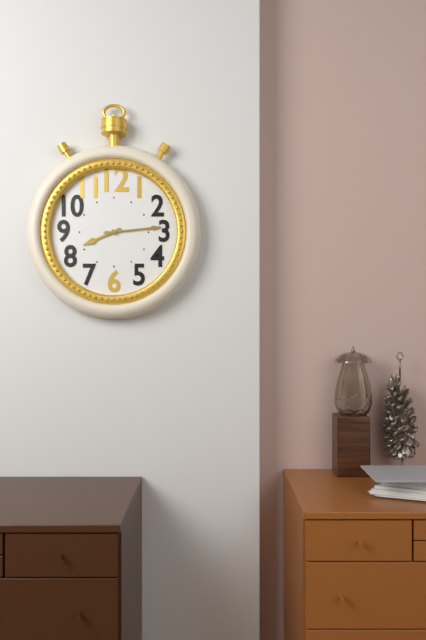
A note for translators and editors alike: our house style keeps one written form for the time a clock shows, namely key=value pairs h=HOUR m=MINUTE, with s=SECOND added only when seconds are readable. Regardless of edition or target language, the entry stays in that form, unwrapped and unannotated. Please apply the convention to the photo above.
h=8 m=14
